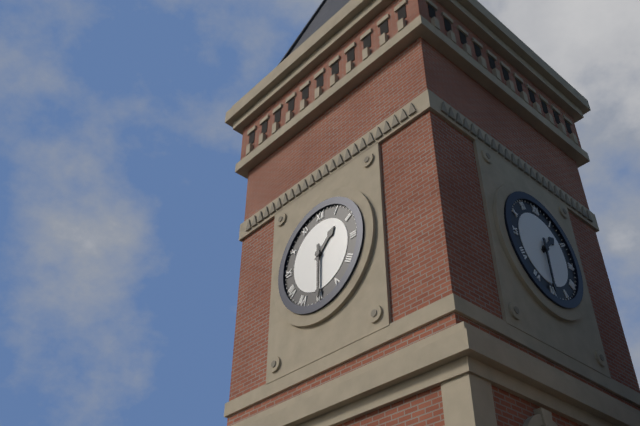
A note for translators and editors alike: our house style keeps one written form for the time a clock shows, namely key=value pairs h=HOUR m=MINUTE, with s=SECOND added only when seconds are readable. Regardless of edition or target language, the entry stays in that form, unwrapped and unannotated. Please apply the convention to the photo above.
h=1 m=30
